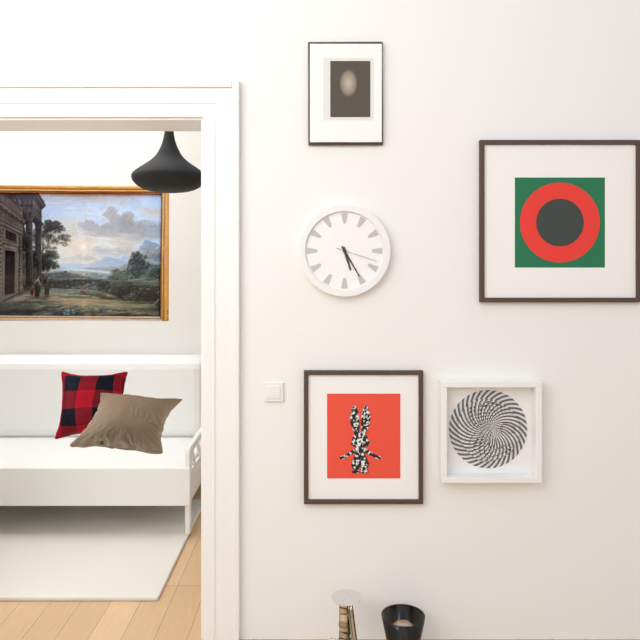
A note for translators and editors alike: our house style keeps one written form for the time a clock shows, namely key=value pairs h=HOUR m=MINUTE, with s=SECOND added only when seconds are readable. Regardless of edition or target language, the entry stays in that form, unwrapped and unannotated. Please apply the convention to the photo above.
h=5 m=25
